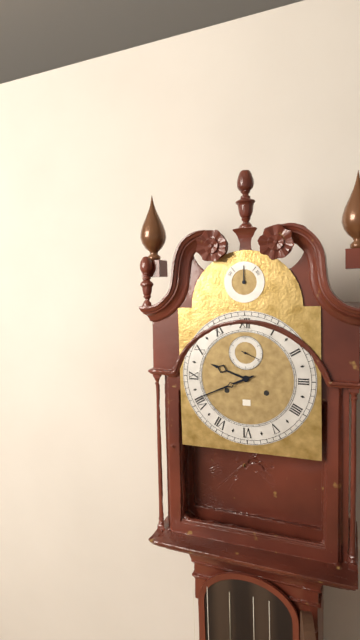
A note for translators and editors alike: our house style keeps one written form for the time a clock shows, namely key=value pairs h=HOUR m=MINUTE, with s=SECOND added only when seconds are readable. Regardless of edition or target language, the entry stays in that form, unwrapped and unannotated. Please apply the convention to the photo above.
h=9 m=41
